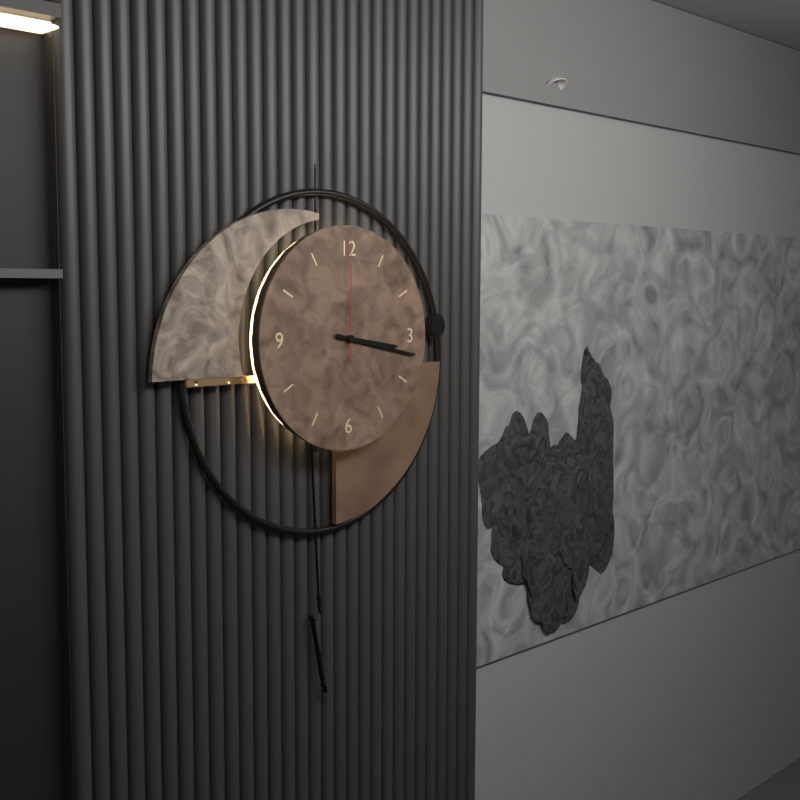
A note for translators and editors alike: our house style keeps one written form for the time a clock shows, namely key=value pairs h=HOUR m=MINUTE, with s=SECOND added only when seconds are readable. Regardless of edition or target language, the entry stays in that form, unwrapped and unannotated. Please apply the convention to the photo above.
h=3 m=17 s=0
